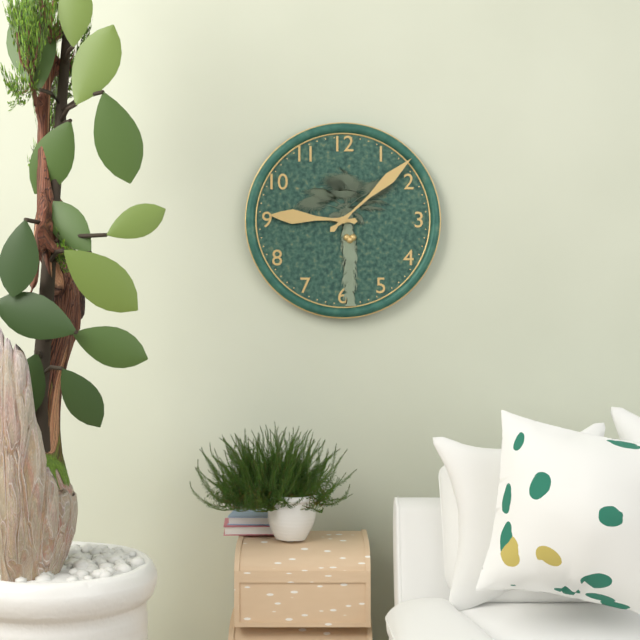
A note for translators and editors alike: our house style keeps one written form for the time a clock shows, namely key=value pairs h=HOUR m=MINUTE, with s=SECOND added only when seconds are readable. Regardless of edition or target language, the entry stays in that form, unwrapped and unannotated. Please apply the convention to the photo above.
h=9 m=8
